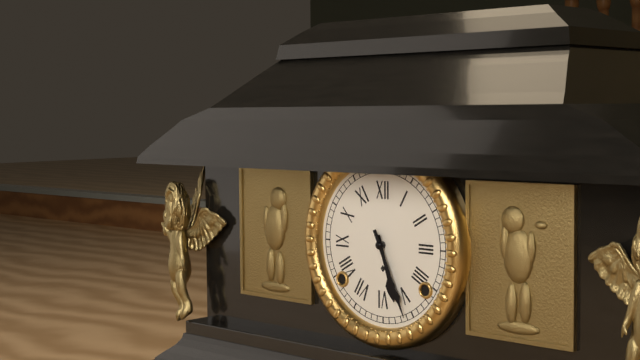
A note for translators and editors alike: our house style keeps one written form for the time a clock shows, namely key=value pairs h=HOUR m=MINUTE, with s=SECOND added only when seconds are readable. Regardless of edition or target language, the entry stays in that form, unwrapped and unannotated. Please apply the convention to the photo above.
h=5 m=26
